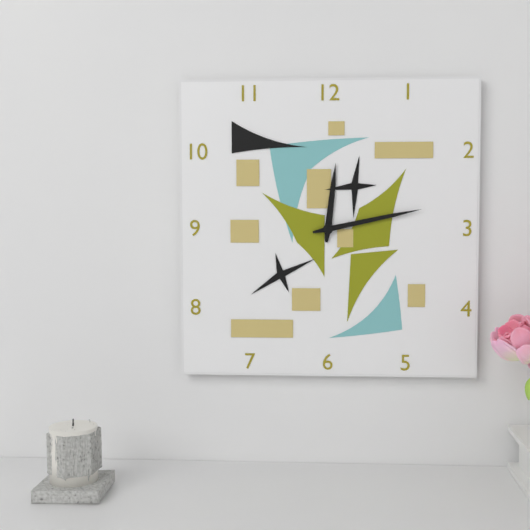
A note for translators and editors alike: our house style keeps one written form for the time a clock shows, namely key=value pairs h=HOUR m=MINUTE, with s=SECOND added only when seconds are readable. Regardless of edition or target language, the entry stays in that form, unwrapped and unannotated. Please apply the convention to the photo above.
h=12 m=13
